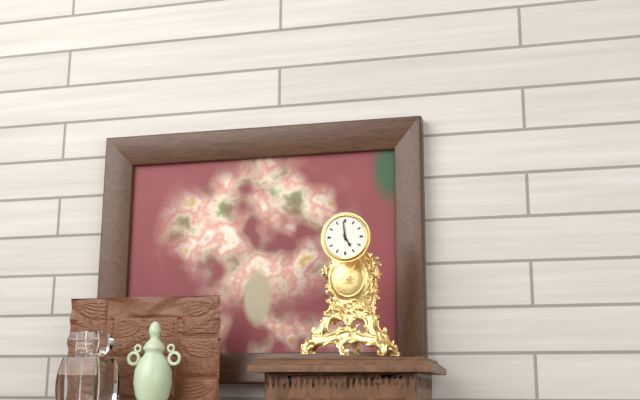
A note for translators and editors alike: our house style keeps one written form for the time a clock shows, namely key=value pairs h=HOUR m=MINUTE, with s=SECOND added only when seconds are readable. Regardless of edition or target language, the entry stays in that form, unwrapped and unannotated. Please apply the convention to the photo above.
h=4 m=59
